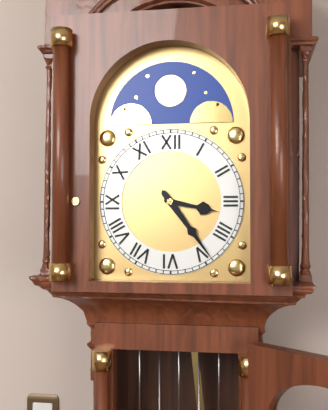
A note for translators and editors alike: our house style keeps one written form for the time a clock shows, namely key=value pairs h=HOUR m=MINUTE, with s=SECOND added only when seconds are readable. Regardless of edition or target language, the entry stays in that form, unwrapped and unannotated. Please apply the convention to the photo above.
h=3 m=24
